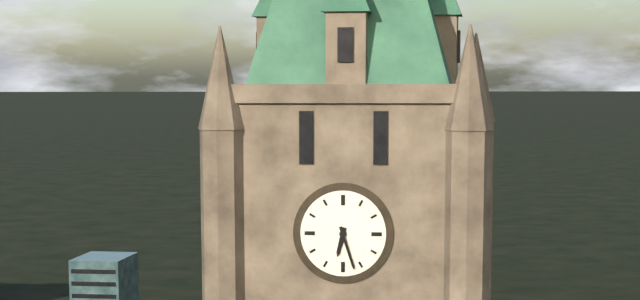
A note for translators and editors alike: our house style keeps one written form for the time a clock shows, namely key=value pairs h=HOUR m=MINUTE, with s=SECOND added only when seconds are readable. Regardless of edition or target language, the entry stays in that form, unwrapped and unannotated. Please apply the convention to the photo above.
h=6 m=27
